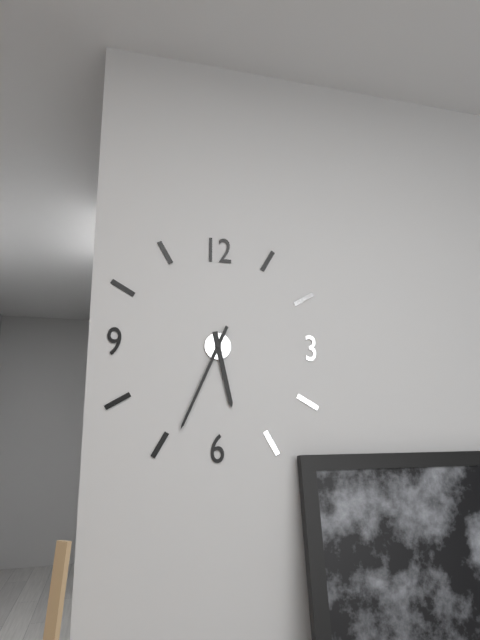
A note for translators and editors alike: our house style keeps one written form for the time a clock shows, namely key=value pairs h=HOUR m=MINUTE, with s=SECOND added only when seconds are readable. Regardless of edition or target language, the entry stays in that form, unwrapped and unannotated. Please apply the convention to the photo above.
h=5 m=34
